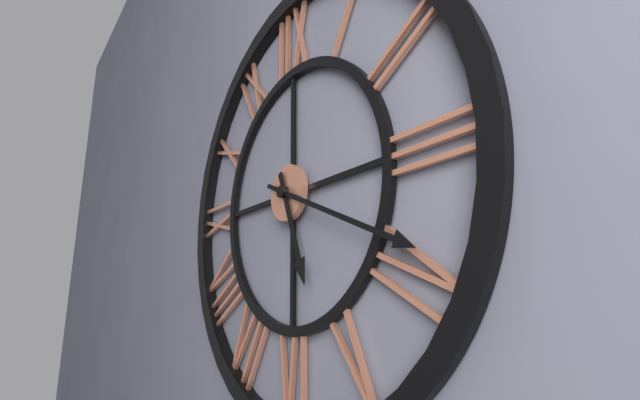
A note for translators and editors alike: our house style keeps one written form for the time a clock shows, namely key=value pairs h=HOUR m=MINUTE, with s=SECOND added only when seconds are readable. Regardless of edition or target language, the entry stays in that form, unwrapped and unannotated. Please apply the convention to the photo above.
h=5 m=19
